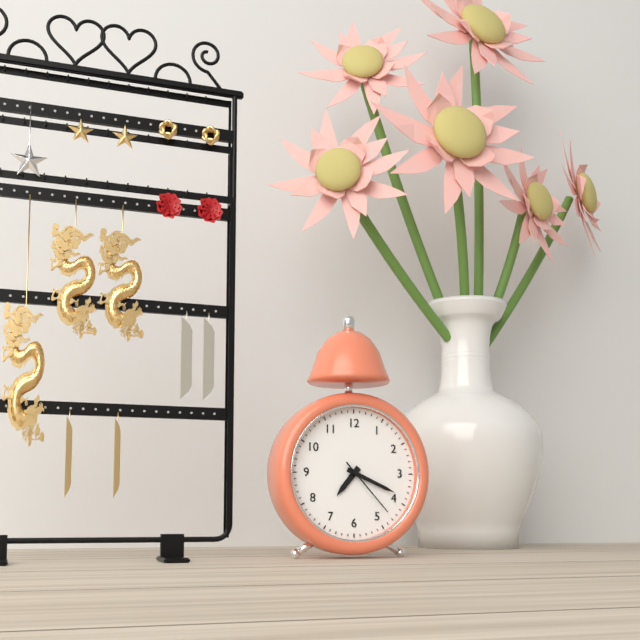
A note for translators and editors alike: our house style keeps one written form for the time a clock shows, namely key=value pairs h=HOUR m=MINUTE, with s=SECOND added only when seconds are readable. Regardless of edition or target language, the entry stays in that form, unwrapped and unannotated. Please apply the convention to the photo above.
h=7 m=19 s=23
